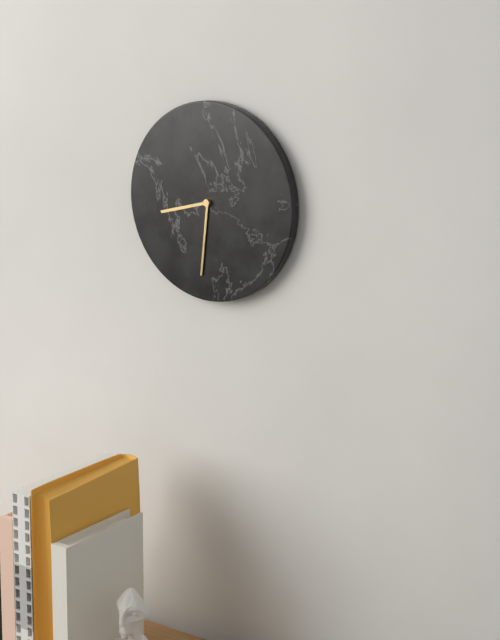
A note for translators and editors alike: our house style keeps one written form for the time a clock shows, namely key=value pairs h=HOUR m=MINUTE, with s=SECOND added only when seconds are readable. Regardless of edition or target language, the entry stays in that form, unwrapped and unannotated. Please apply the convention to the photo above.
h=8 m=31
